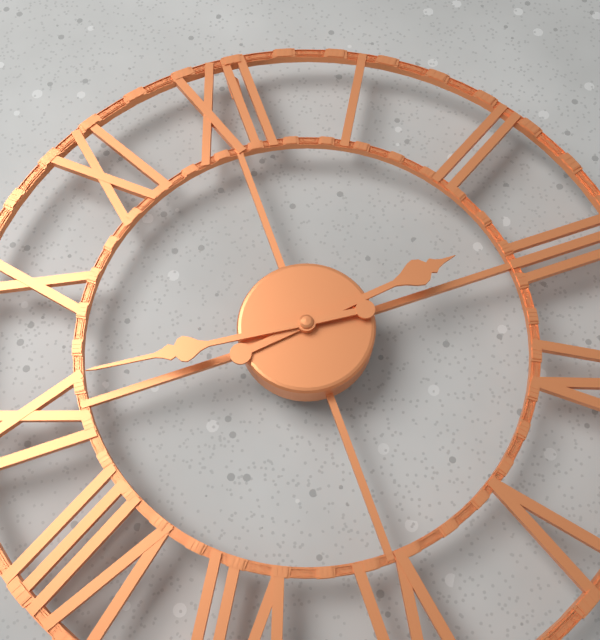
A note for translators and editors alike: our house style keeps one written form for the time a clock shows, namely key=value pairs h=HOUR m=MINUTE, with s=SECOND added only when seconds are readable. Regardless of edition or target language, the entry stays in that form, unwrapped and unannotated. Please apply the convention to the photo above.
h=2 m=46
